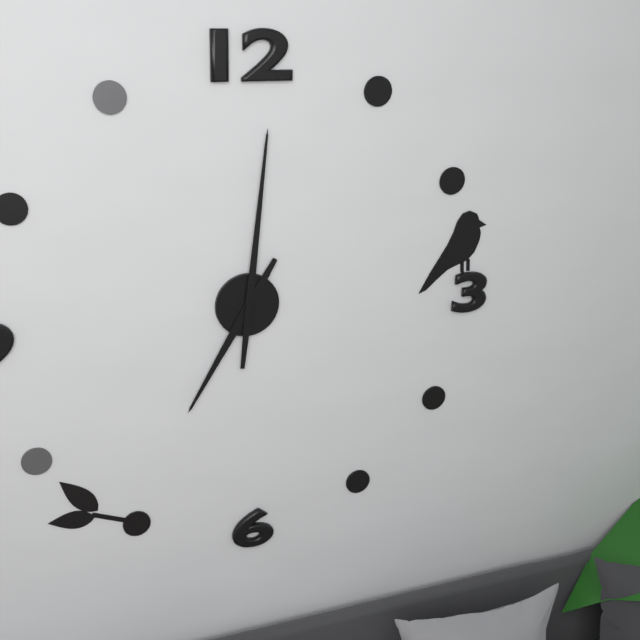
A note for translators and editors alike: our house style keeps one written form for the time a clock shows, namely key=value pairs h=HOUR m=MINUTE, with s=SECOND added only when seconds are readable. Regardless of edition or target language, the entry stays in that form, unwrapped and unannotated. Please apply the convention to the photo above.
h=7 m=1
